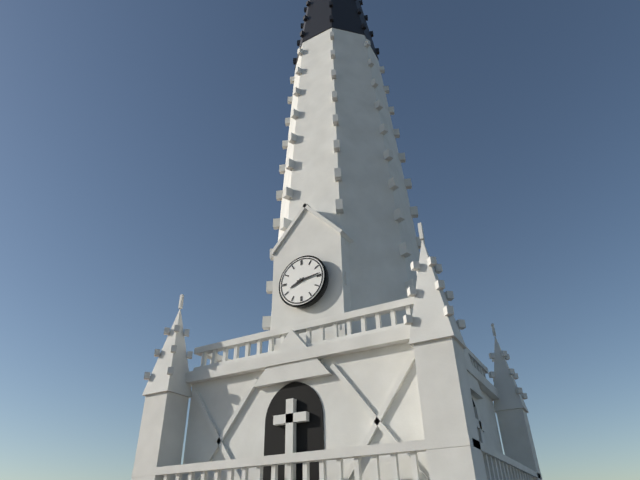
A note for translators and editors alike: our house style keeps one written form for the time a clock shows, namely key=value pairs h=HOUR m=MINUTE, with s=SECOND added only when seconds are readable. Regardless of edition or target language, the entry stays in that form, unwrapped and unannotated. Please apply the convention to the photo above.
h=8 m=14
